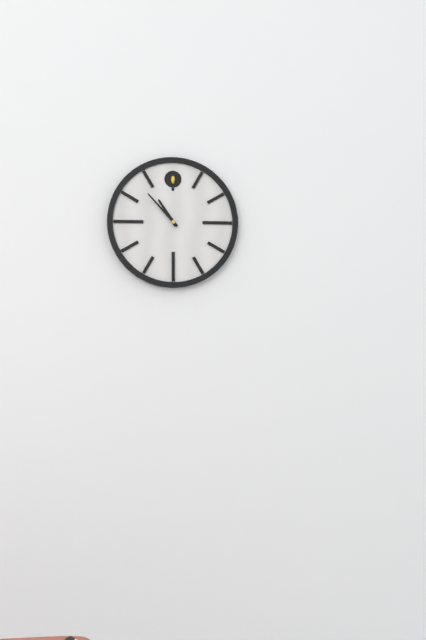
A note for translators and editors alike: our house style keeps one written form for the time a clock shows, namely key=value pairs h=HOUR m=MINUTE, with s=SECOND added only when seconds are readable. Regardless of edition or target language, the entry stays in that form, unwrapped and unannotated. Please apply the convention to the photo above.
h=10 m=53
